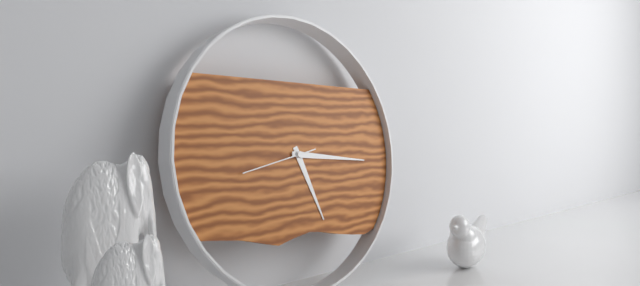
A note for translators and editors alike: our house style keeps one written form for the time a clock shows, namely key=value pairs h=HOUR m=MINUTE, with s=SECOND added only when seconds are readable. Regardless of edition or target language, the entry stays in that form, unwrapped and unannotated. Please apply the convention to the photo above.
h=5 m=16 s=43
